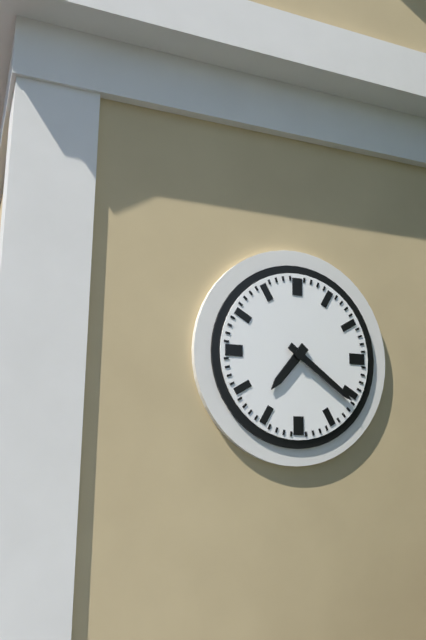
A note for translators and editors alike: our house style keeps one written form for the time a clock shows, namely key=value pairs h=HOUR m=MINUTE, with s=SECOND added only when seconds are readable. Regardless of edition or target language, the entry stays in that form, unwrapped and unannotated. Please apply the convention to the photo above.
h=7 m=21
